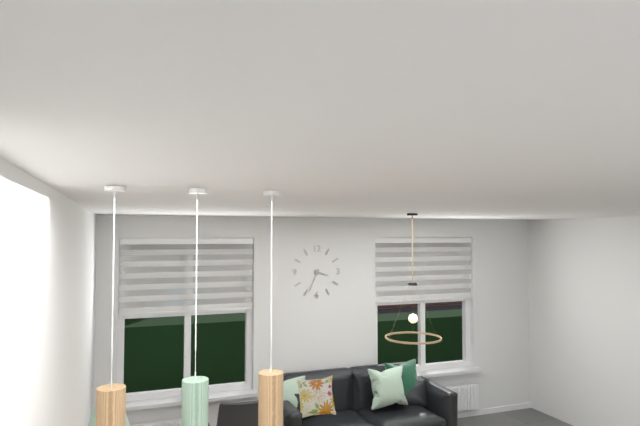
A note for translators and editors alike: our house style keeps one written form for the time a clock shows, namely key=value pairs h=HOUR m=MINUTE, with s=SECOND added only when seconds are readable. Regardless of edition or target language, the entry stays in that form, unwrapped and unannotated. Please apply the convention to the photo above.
h=3 m=34
